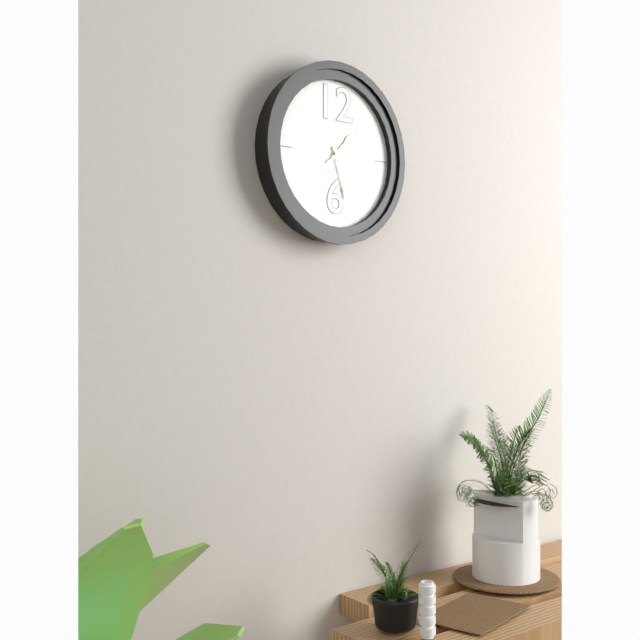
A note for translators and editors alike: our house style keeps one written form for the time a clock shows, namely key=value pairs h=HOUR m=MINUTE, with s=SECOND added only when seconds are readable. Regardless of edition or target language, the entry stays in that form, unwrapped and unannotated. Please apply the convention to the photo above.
h=1 m=27 s=8
